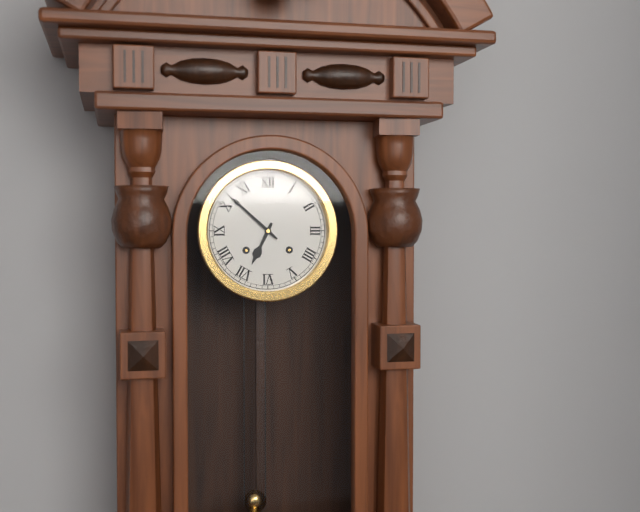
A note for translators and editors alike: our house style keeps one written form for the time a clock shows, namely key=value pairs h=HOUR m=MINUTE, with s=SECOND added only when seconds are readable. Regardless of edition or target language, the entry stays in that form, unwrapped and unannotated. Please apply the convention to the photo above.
h=6 m=52
